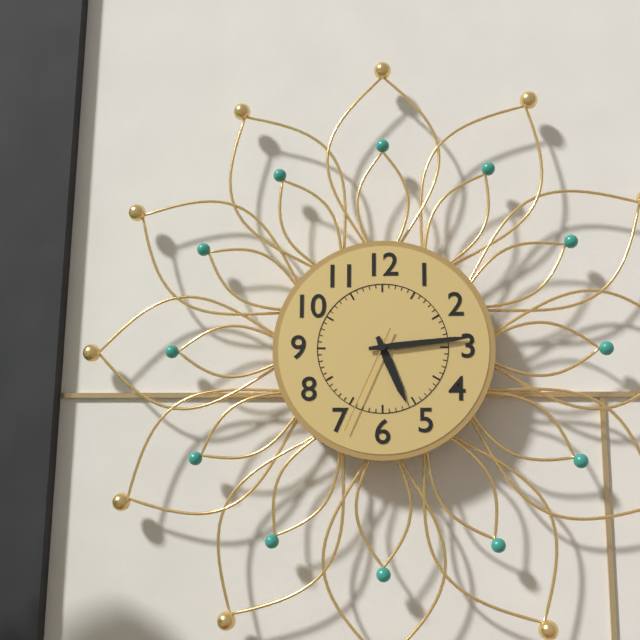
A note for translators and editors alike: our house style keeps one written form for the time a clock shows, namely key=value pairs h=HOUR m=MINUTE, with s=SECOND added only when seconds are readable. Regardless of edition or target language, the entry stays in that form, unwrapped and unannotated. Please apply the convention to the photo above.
h=5 m=14 s=34
